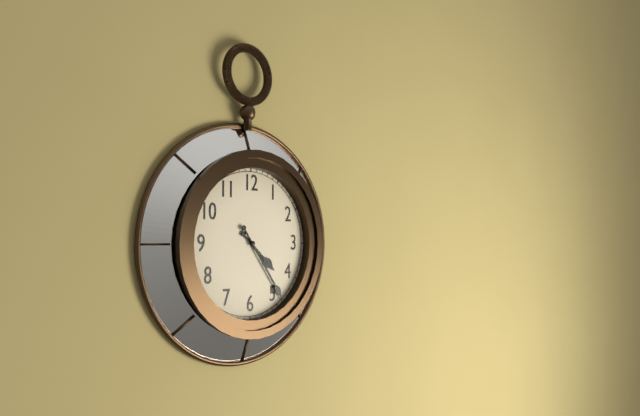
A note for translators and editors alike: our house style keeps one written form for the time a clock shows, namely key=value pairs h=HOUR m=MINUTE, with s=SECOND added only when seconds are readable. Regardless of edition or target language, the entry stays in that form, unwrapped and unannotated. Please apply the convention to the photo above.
h=4 m=24
